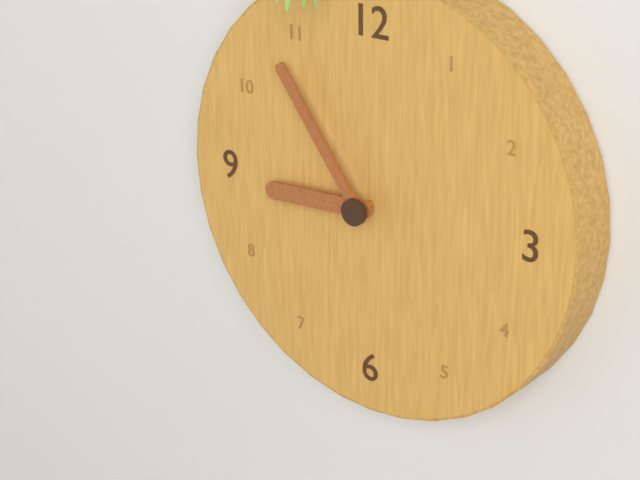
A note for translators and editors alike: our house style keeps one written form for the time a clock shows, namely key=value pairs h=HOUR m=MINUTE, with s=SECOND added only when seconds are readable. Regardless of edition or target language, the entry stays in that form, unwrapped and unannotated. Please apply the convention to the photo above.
h=8 m=54
